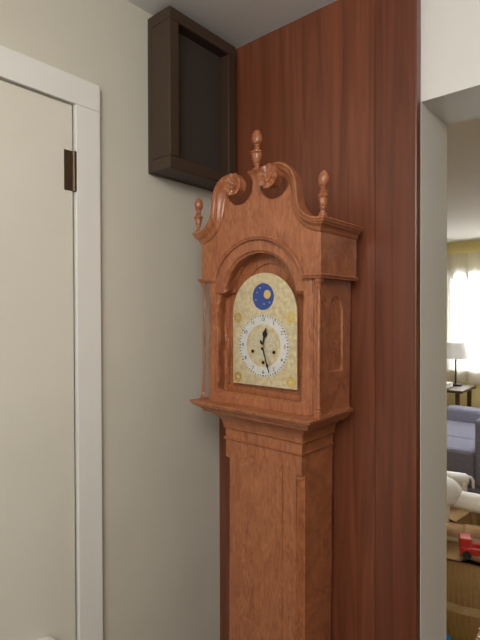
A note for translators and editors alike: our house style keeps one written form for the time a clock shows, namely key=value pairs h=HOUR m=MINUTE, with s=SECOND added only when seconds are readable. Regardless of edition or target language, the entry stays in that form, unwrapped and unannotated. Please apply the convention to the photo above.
h=12 m=27
